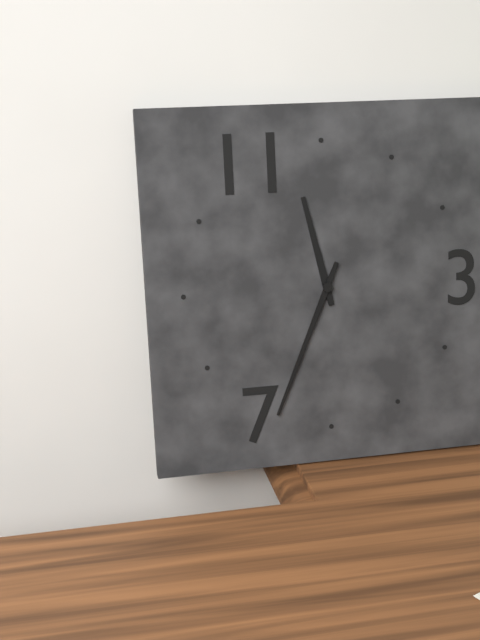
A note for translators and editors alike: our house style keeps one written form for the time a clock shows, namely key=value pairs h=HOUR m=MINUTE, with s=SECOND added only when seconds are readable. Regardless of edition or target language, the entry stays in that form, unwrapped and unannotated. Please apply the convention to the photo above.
h=11 m=34
